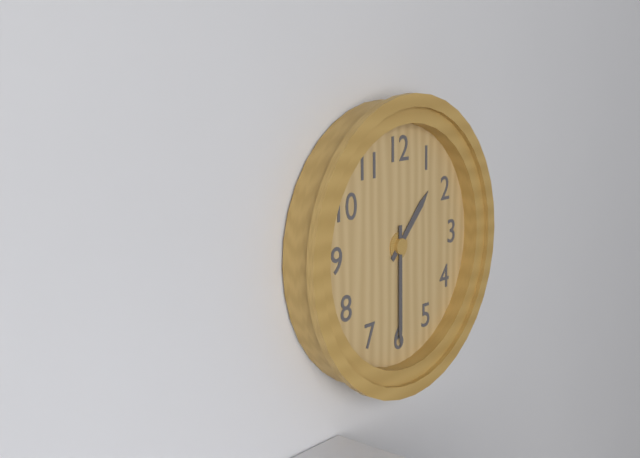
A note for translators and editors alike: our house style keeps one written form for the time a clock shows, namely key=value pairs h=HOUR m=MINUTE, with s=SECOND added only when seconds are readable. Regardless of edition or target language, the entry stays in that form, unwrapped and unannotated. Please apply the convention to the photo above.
h=1 m=30
